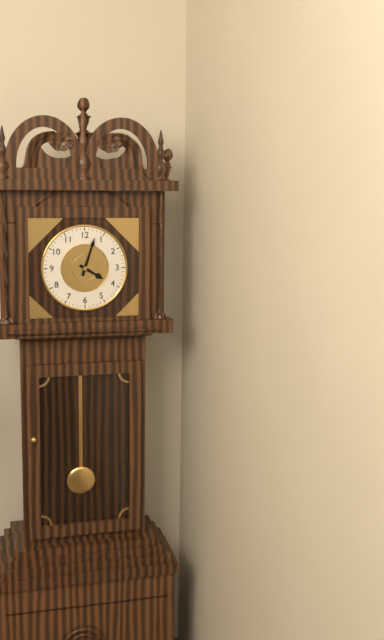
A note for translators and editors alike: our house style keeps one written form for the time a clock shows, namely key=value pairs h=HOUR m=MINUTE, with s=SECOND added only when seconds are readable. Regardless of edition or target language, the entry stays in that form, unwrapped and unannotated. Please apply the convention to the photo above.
h=4 m=3
